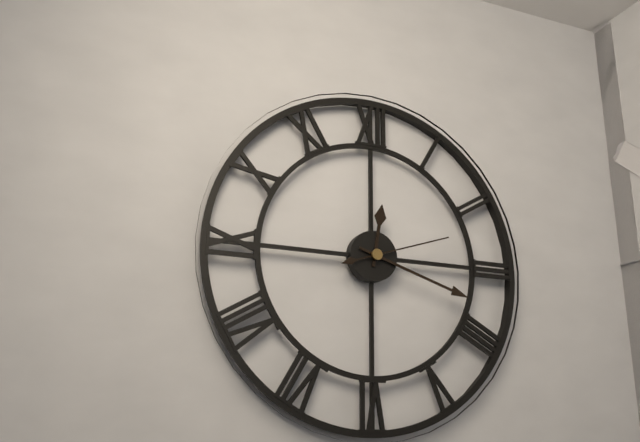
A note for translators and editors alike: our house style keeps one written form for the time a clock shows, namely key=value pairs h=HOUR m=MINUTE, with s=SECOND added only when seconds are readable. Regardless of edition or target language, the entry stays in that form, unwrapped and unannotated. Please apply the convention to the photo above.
h=12 m=18 s=12
